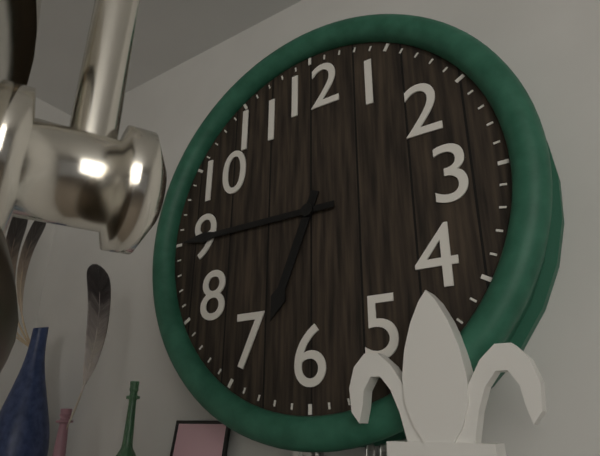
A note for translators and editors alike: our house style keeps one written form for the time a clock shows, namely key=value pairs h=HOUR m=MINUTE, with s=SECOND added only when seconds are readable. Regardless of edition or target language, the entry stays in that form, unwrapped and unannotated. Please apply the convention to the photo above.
h=6 m=45
